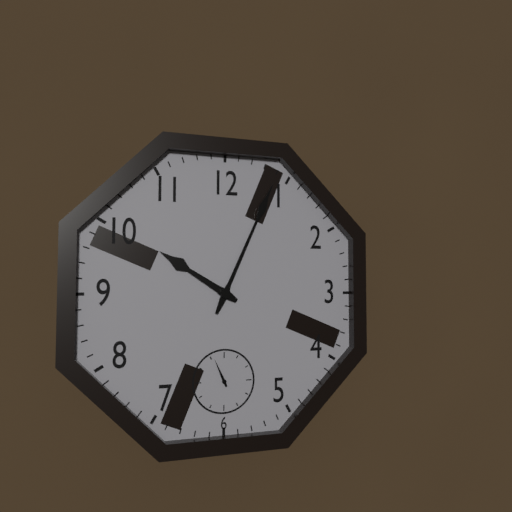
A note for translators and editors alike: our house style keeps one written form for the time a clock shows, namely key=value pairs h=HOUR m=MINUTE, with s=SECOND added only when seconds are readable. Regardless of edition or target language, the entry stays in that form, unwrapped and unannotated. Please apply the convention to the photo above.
h=10 m=4
